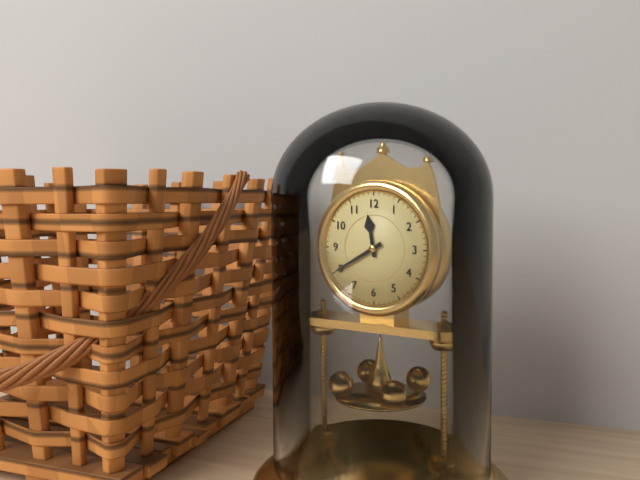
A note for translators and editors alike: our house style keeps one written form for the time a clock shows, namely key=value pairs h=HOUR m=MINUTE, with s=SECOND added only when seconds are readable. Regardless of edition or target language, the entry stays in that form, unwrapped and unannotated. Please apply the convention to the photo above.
h=11 m=40
